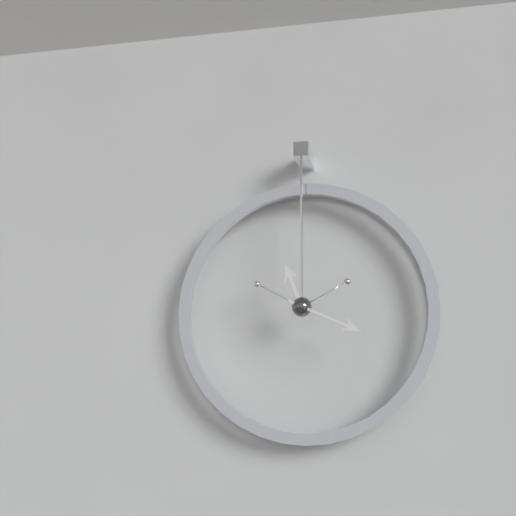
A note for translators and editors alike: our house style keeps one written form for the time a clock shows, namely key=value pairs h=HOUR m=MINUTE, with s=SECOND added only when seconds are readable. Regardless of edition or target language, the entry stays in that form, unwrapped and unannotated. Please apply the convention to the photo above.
h=11 m=19
